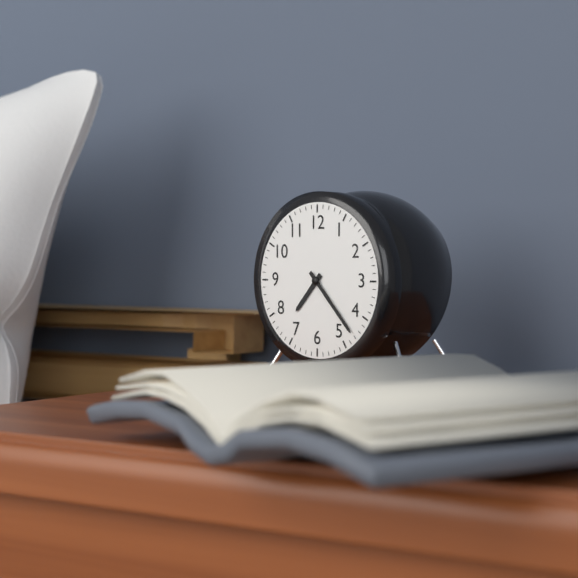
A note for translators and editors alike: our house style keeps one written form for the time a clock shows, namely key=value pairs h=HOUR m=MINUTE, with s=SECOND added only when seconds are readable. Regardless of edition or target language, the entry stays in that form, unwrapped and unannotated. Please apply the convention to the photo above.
h=7 m=23
